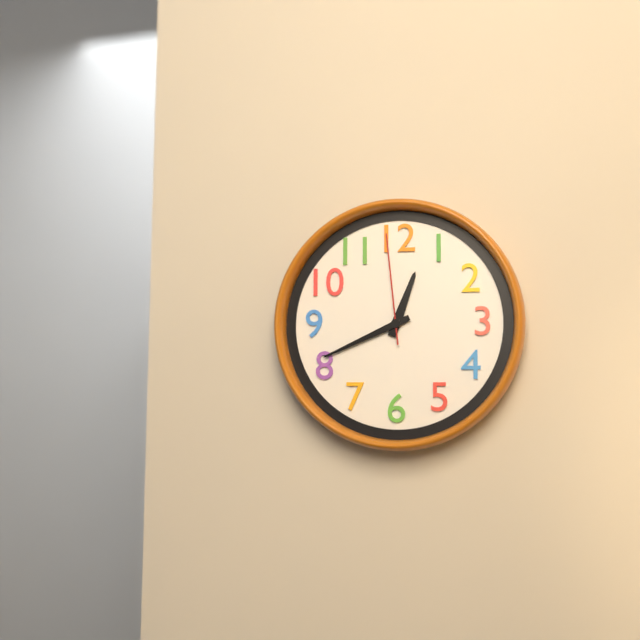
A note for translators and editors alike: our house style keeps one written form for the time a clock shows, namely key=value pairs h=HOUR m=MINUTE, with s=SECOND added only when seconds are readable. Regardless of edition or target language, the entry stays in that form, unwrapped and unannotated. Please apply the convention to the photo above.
h=12 m=41 s=59
